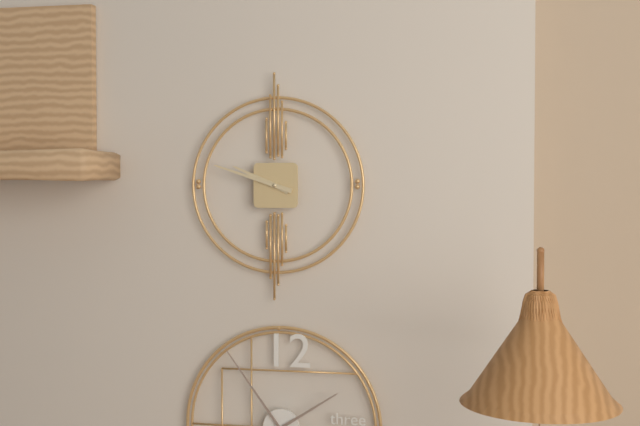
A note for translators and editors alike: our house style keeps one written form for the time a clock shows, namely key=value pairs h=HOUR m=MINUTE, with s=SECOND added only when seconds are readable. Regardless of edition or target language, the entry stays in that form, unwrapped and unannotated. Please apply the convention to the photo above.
h=9 m=48
